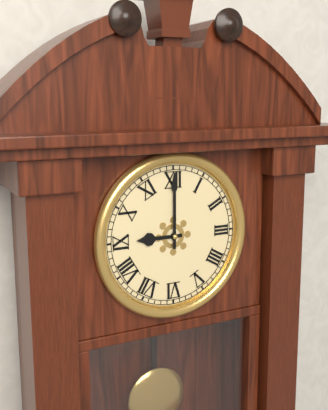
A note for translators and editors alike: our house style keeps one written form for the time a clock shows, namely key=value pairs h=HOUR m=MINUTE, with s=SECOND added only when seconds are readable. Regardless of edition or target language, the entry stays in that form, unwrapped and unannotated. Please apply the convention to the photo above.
h=9 m=0
